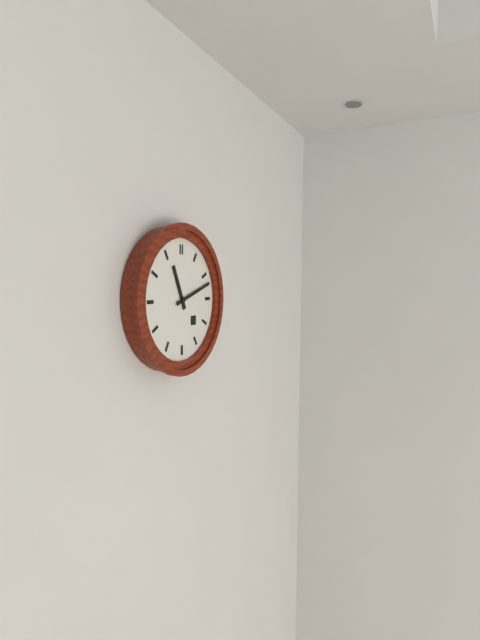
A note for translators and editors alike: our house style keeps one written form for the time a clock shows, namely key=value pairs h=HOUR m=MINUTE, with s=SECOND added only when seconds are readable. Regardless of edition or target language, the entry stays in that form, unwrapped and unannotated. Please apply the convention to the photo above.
h=11 m=12
